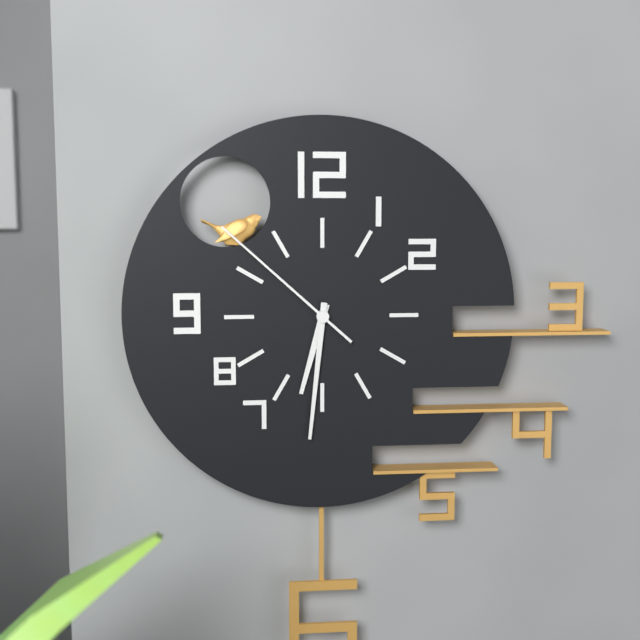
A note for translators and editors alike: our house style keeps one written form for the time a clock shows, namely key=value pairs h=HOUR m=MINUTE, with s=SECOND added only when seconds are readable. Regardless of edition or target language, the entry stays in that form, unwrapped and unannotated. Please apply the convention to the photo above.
h=6 m=31 s=52
